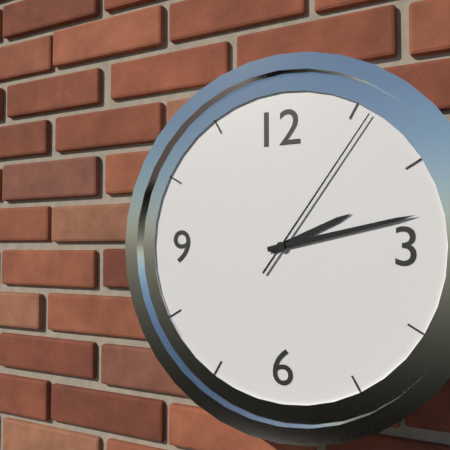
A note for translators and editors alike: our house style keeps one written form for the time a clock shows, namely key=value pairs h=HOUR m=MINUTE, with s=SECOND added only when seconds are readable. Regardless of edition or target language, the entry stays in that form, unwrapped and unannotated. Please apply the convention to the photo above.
h=2 m=13 s=6
